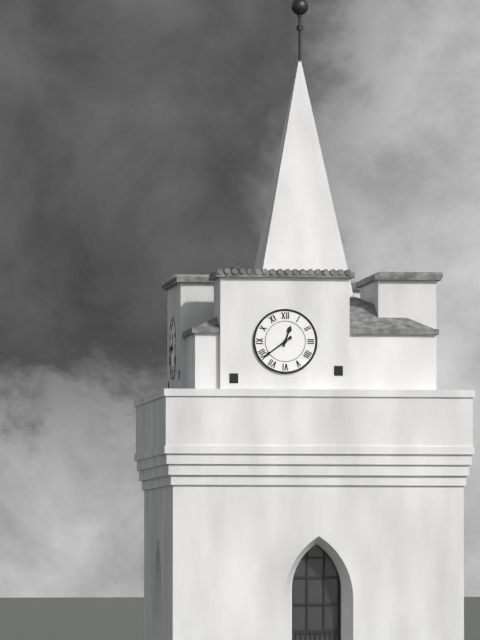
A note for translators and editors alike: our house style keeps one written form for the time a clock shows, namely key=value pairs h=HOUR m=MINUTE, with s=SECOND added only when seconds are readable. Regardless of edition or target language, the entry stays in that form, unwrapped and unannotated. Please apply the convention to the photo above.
h=12 m=39
